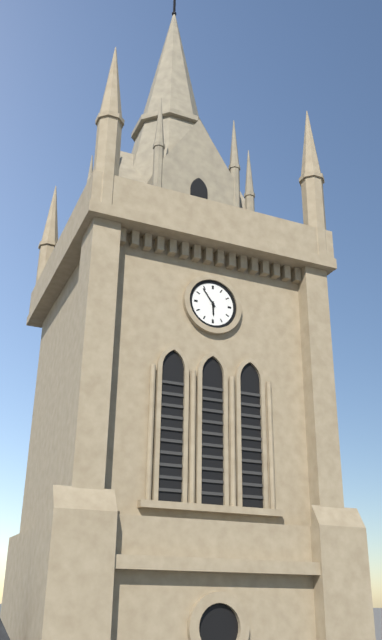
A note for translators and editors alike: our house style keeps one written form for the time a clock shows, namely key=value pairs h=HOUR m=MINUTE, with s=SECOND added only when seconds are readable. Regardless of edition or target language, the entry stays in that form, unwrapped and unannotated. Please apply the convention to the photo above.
h=5 m=54
